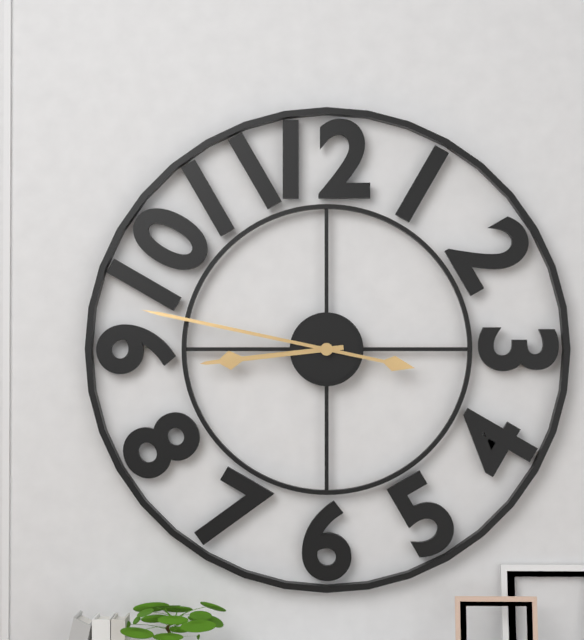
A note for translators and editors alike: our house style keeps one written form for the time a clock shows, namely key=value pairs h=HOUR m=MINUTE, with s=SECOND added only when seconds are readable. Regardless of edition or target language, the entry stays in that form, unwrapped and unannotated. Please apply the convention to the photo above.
h=8 m=47
